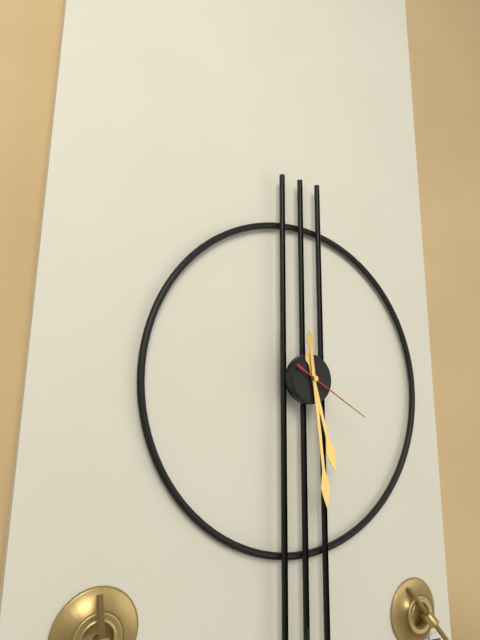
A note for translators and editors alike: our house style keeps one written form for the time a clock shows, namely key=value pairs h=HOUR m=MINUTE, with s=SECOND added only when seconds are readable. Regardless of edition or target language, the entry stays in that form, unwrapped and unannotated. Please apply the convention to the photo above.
h=5 m=29 s=20
